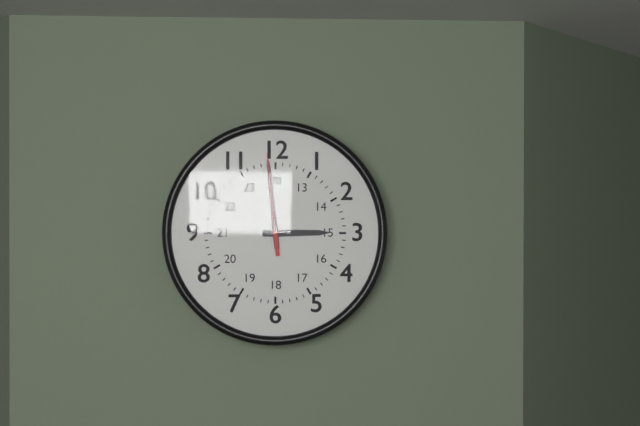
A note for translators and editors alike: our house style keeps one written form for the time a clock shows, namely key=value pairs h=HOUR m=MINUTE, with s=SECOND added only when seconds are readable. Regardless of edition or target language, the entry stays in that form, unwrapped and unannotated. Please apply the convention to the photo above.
h=2 m=59 s=59
